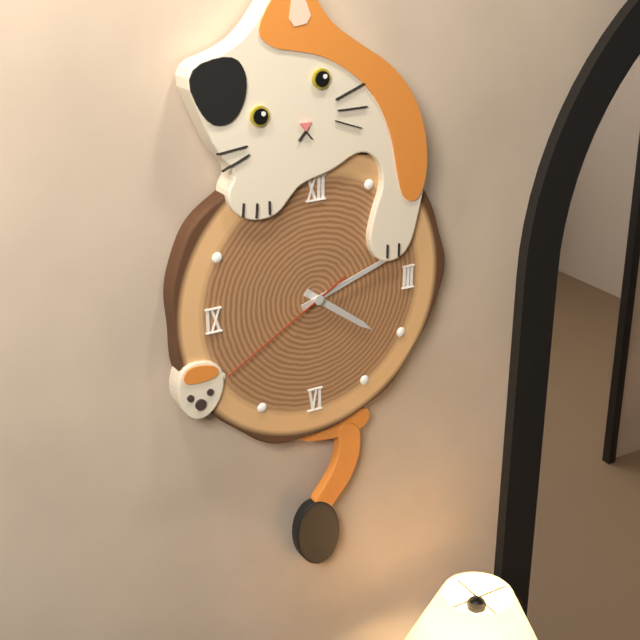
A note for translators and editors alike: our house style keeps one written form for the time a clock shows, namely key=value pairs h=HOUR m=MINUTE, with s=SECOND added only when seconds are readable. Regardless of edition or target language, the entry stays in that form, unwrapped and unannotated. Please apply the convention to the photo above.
h=4 m=12 s=40
